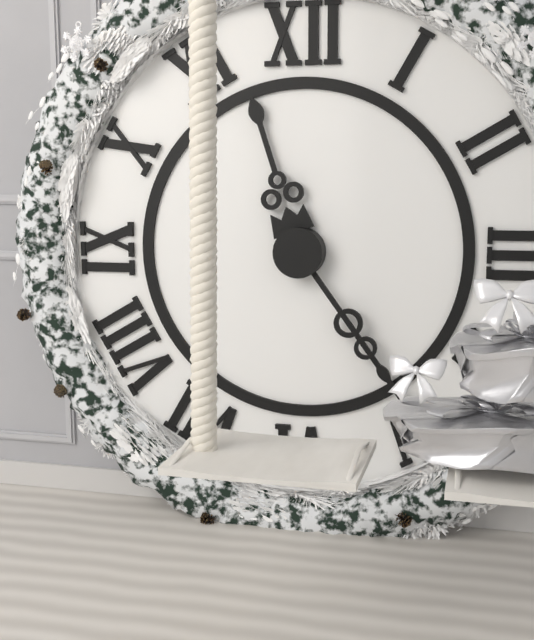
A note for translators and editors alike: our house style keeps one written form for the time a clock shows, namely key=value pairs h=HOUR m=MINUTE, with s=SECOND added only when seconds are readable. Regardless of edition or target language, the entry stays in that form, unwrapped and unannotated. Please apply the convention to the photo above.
h=11 m=24
